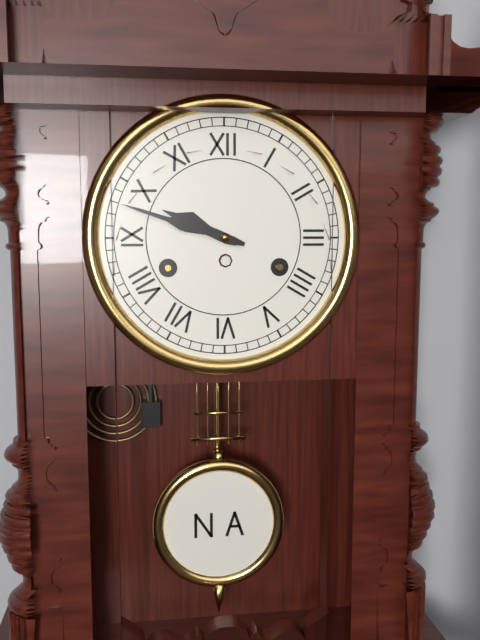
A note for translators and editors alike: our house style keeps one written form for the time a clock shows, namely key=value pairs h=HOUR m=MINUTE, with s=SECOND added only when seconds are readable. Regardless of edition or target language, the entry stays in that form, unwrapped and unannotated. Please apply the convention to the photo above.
h=9 m=48
